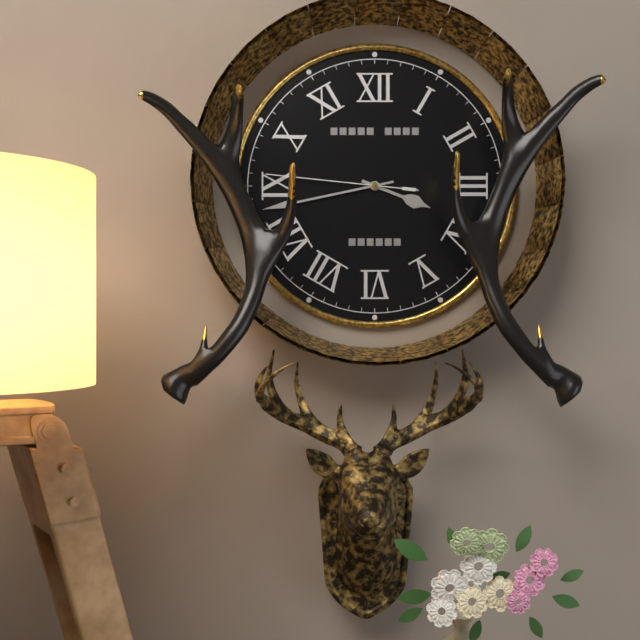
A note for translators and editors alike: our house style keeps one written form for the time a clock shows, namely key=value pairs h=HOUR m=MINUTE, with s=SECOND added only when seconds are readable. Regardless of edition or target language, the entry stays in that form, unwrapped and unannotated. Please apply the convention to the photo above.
h=3 m=43 s=46
